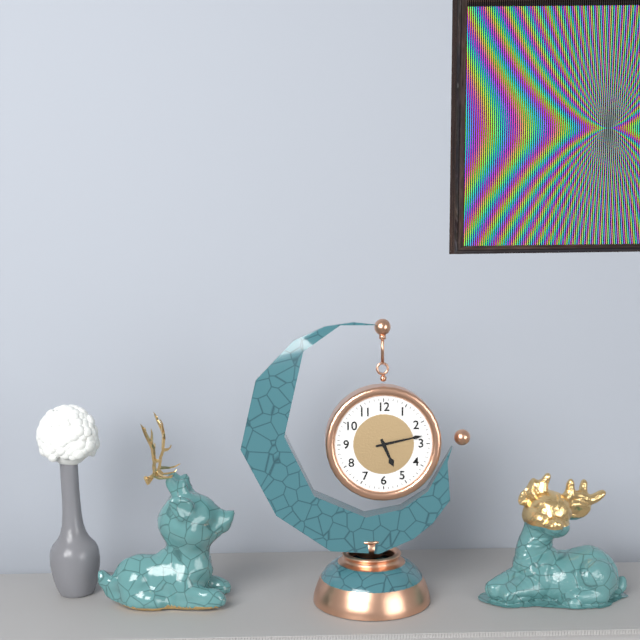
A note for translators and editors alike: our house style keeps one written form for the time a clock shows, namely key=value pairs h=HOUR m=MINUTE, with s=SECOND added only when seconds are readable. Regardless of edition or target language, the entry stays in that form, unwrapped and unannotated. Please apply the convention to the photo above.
h=5 m=13
